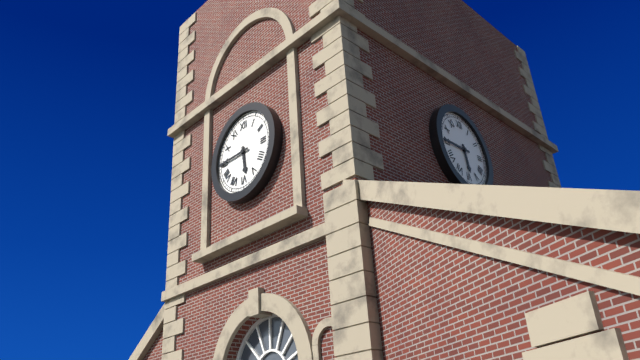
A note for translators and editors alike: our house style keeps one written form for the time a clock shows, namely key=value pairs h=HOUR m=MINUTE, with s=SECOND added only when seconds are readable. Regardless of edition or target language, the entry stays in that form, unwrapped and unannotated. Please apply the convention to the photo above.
h=5 m=45
